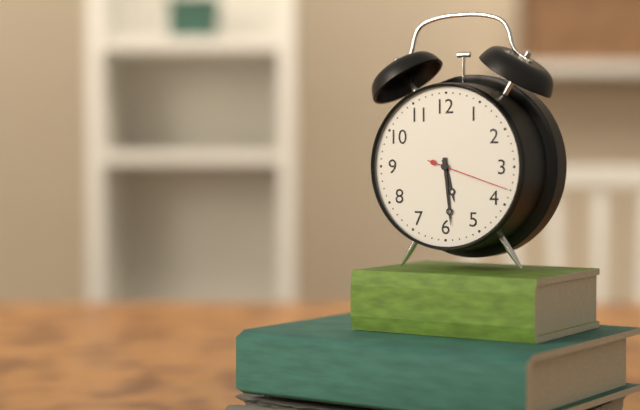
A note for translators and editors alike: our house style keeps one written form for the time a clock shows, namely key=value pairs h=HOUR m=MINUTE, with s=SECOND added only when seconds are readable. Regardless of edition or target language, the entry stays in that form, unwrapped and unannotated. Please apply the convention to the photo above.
h=5 m=29 s=18
